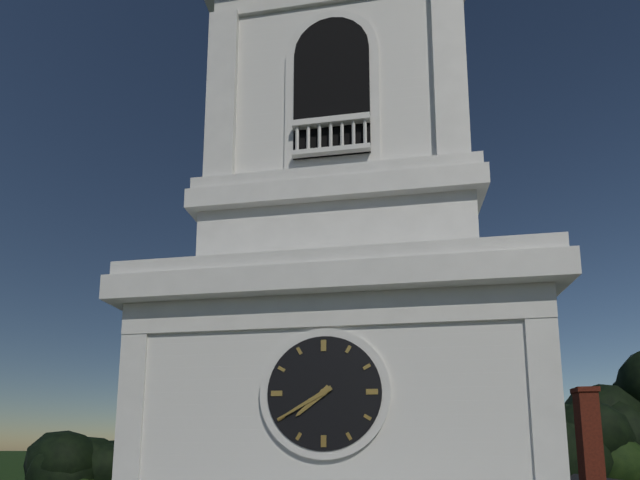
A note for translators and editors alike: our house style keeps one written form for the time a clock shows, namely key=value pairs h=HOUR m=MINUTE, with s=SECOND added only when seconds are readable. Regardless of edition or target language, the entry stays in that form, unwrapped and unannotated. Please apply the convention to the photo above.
h=7 m=40
